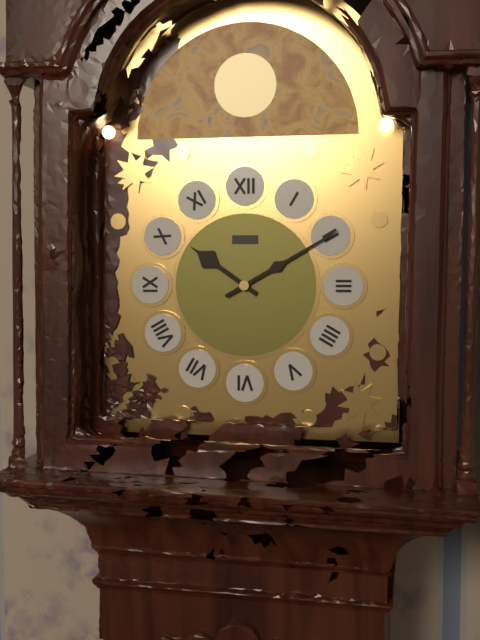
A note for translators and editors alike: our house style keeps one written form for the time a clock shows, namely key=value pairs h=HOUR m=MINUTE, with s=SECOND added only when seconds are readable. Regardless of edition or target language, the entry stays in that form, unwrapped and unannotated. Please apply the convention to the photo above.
h=10 m=10
